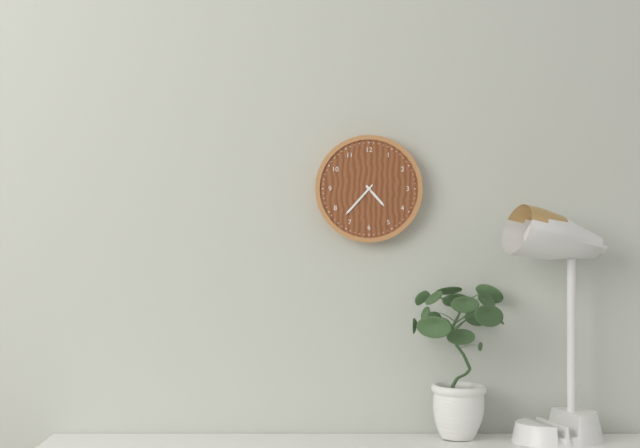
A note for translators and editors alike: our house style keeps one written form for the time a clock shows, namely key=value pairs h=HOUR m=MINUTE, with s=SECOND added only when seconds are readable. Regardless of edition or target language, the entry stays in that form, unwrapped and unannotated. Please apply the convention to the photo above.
h=4 m=37
